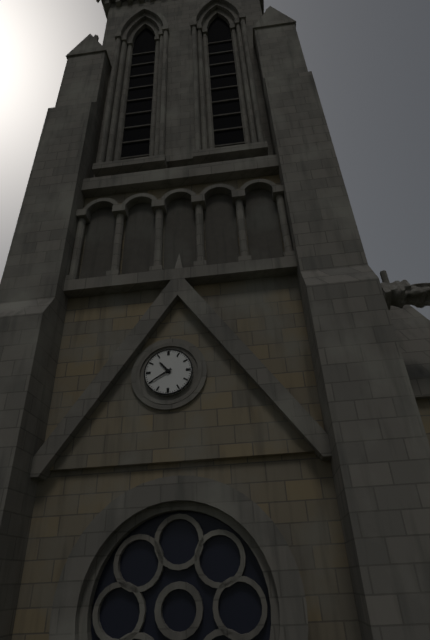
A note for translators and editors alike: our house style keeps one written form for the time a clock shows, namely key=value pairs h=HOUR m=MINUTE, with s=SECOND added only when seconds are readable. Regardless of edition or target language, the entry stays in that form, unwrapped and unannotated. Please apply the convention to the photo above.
h=10 m=40
